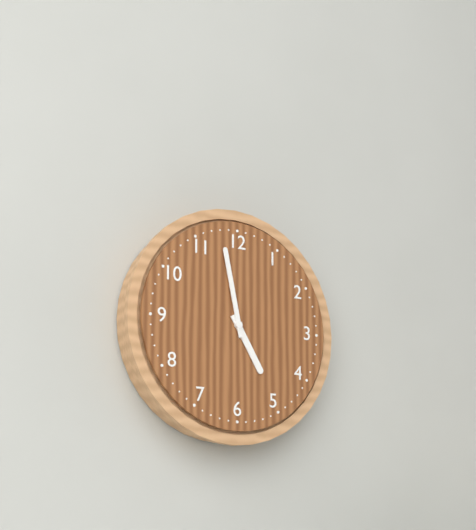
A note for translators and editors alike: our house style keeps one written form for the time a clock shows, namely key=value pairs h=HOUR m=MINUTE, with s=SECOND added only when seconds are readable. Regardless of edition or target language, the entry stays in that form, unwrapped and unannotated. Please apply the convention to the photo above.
h=4 m=58
